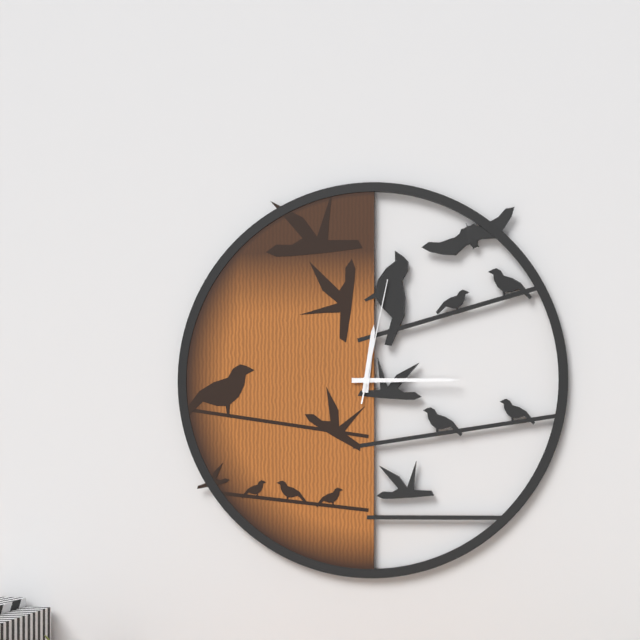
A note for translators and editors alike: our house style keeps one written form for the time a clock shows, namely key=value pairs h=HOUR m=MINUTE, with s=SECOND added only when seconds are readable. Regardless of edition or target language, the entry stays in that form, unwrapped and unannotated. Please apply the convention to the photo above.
h=12 m=15 s=2
